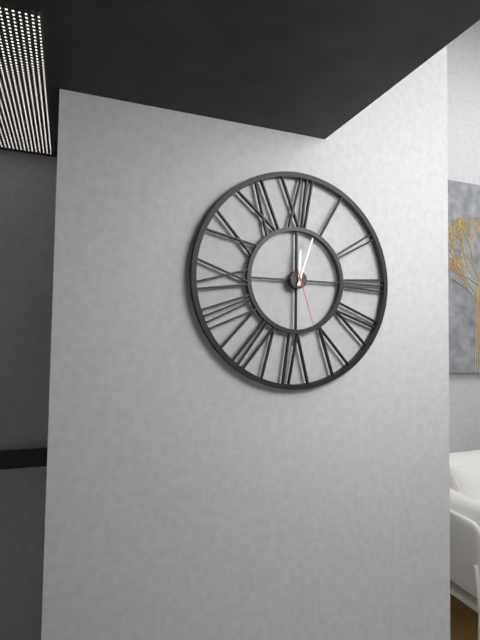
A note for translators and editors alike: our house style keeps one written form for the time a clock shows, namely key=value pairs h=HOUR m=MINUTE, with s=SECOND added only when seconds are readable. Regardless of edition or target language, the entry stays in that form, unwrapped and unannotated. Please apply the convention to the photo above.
h=12 m=3 s=27
